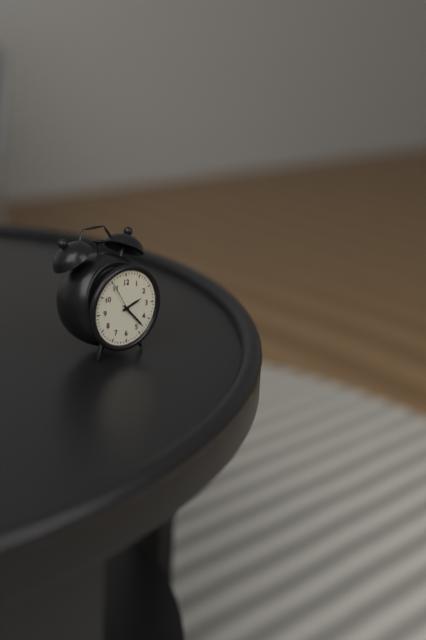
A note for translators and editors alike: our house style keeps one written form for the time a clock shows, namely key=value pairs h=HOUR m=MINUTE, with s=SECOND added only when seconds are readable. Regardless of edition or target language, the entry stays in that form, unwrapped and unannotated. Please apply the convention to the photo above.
h=2 m=23
